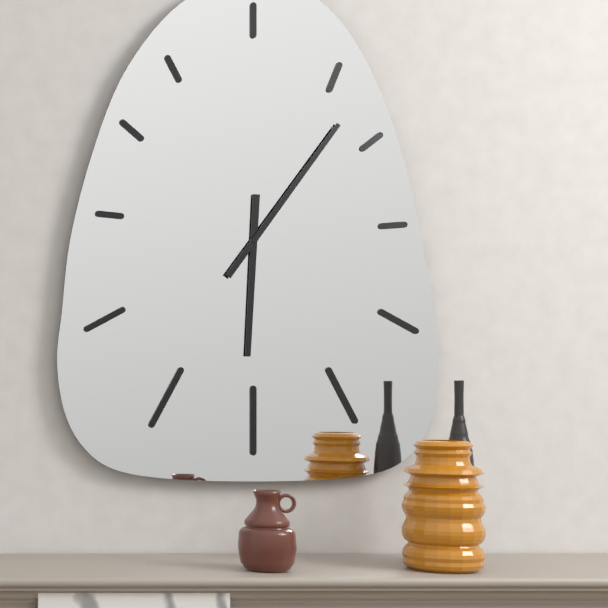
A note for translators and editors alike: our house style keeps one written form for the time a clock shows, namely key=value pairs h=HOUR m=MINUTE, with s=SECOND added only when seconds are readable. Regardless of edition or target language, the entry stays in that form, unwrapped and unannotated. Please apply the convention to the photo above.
h=6 m=6
